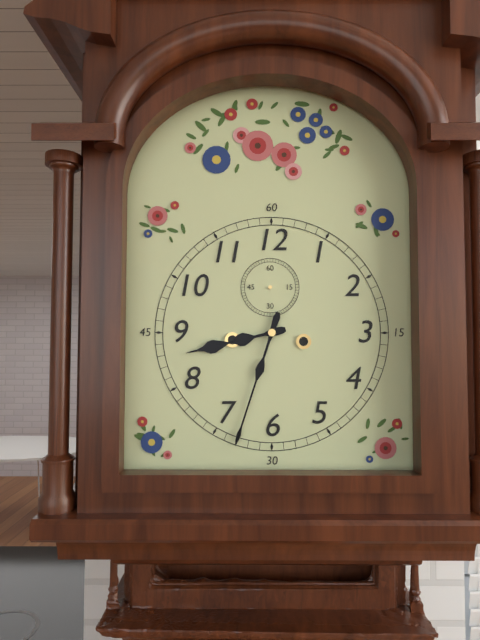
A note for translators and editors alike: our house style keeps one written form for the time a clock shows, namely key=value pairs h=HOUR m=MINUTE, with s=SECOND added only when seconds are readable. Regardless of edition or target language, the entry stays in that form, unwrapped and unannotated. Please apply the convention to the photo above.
h=8 m=33
